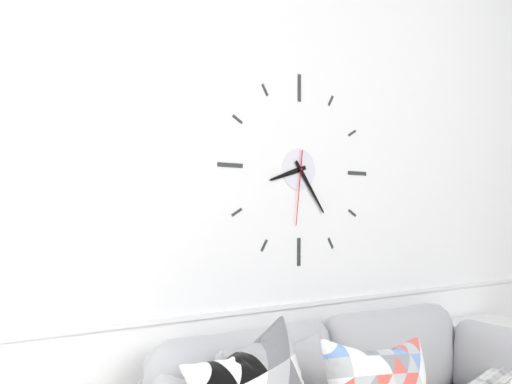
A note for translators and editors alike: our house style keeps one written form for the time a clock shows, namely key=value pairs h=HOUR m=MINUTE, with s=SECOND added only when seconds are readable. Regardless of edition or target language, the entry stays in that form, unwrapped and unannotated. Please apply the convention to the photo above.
h=8 m=24 s=31
